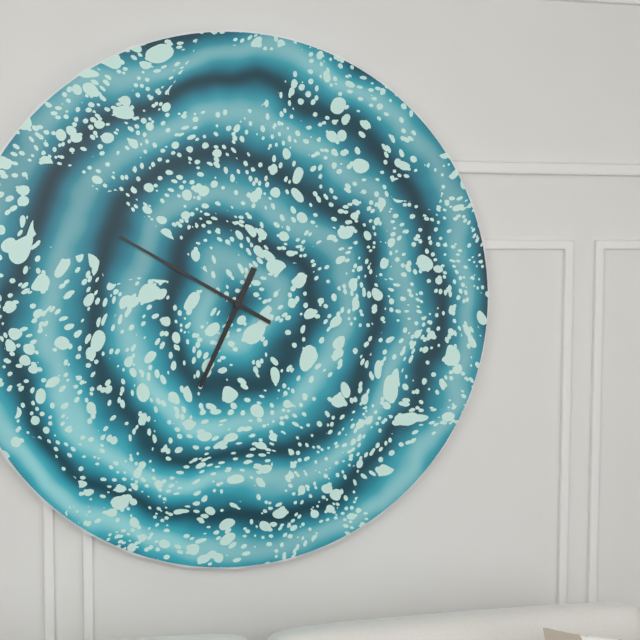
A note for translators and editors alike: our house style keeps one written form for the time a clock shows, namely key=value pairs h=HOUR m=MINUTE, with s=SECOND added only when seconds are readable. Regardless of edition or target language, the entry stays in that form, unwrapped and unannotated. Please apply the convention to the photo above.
h=6 m=50
